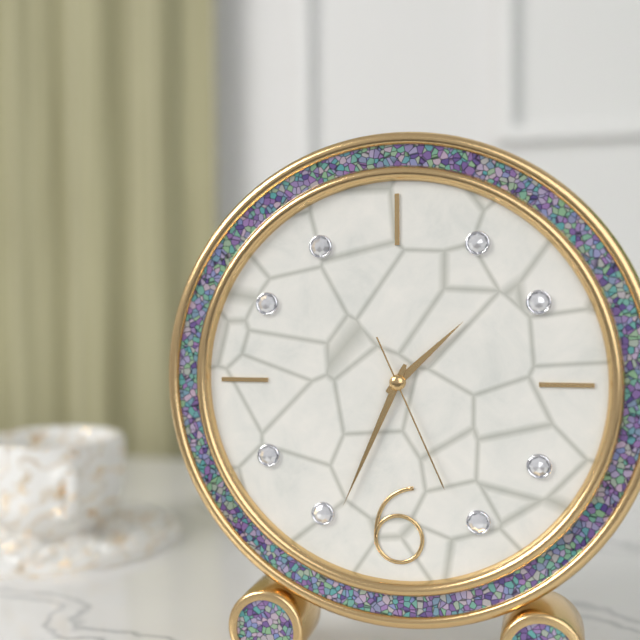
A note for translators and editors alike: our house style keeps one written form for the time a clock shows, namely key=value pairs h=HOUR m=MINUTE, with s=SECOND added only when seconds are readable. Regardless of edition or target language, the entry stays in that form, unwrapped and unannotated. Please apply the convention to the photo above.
h=1 m=34 s=26
